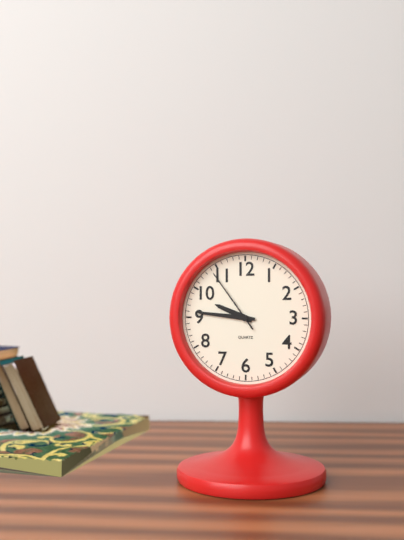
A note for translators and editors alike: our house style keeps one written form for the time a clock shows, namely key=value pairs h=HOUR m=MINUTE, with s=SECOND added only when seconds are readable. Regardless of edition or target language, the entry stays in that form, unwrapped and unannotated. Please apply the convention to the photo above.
h=9 m=46 s=54
